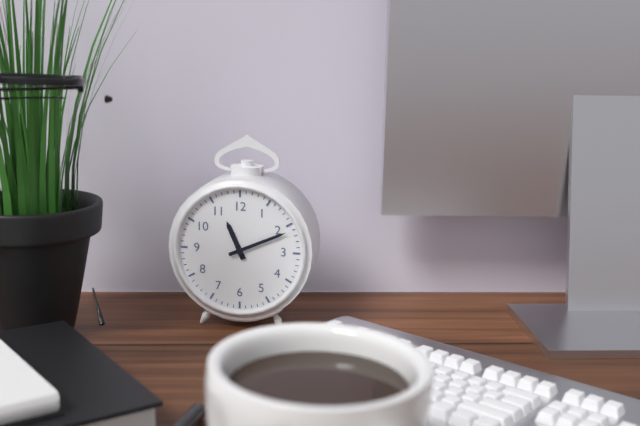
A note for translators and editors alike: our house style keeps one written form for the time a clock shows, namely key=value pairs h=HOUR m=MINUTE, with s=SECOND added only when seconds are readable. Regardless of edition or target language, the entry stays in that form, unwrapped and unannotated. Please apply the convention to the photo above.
h=11 m=11
